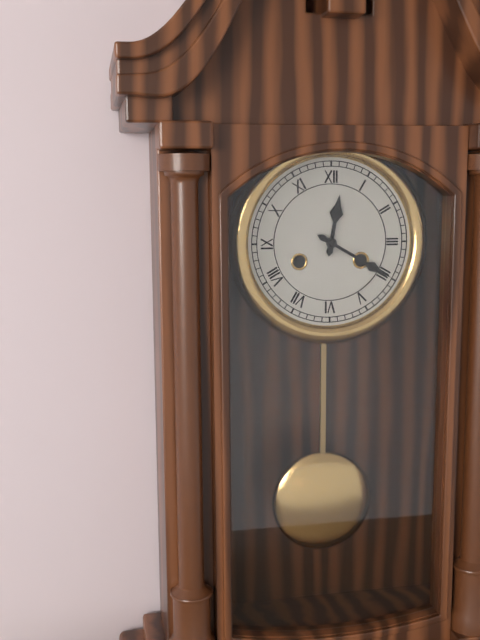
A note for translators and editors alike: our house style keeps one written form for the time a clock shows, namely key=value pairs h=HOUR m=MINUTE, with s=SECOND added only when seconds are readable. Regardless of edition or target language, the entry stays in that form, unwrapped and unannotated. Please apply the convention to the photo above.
h=12 m=20
